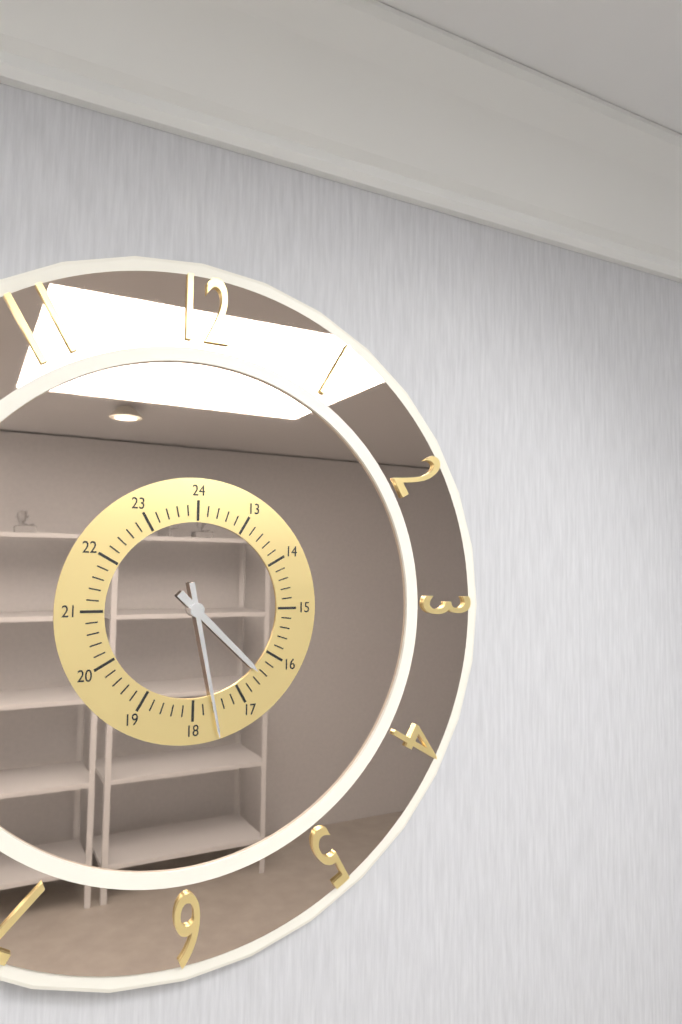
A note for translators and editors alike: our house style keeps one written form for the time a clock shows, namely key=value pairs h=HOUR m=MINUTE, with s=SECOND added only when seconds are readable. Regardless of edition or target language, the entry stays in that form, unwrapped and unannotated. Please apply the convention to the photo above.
h=4 m=28
